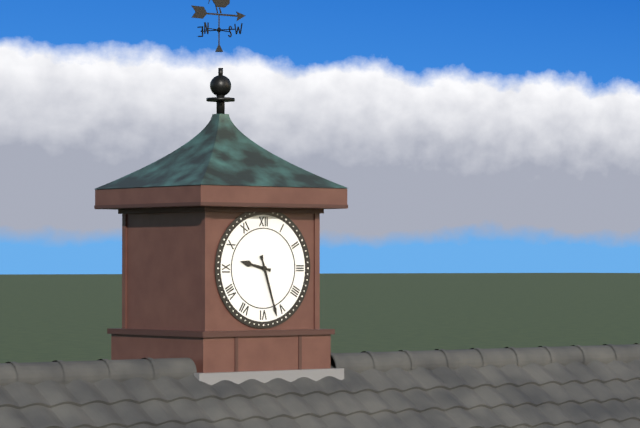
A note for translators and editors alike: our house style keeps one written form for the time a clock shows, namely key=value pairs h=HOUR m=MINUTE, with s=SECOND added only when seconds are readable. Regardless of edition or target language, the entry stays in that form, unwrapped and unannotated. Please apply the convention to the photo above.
h=9 m=27
